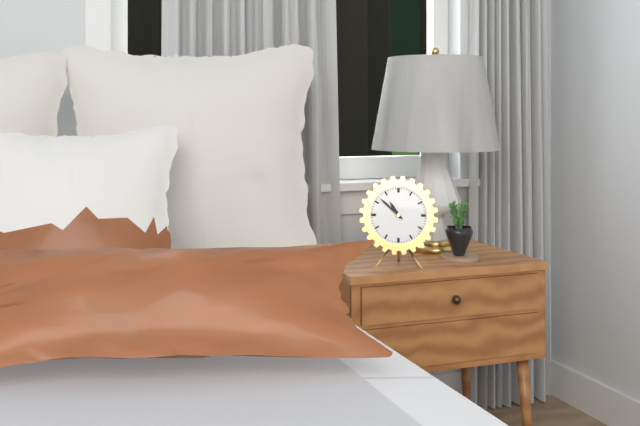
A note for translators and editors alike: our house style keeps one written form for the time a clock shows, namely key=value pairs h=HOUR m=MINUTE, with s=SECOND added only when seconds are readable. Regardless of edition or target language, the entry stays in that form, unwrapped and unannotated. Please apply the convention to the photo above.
h=10 m=52
